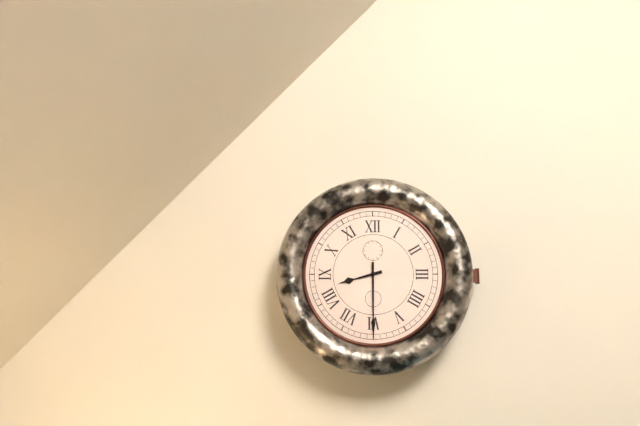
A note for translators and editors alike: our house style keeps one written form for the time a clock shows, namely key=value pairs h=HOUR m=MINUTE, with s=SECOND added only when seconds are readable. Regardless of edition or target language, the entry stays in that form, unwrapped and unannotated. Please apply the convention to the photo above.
h=8 m=30
